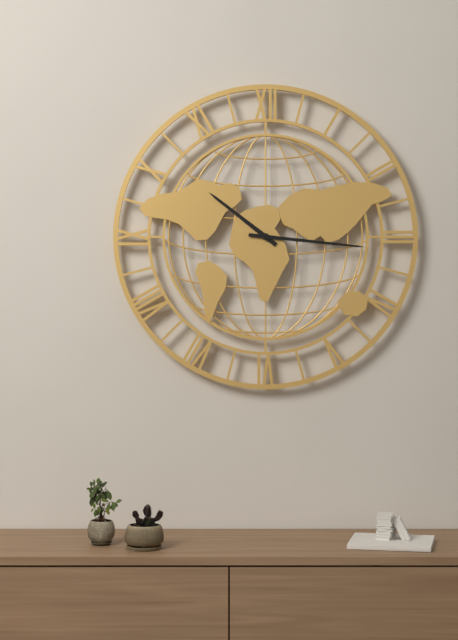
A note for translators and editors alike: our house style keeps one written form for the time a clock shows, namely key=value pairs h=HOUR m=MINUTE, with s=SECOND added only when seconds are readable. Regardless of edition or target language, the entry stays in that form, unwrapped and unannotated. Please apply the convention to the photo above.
h=10 m=16
